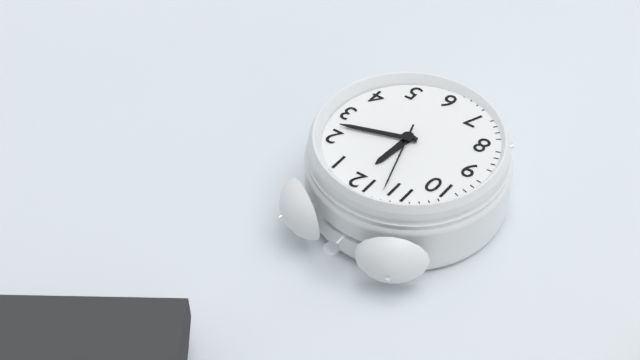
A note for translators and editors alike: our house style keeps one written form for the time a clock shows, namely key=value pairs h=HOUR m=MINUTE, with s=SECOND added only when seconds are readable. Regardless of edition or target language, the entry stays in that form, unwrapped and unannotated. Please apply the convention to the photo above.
h=12 m=12 s=57
